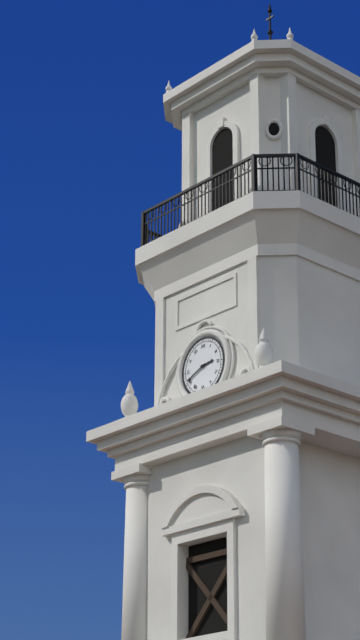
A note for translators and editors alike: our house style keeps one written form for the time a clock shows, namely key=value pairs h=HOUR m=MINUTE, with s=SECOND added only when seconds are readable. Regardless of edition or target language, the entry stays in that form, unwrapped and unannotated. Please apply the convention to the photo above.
h=2 m=41
